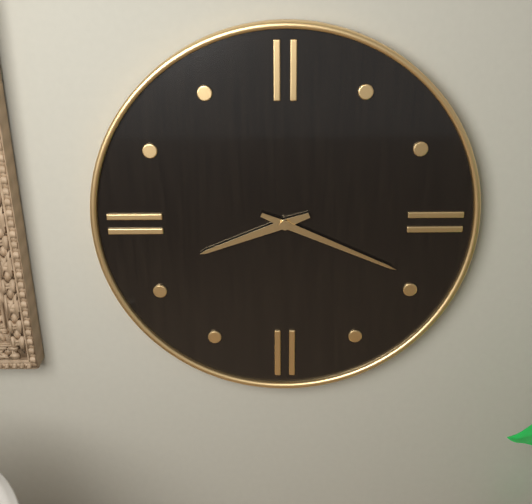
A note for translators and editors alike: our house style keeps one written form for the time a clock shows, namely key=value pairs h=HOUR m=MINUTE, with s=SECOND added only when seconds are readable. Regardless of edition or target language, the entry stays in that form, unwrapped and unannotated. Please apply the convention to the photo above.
h=8 m=19
